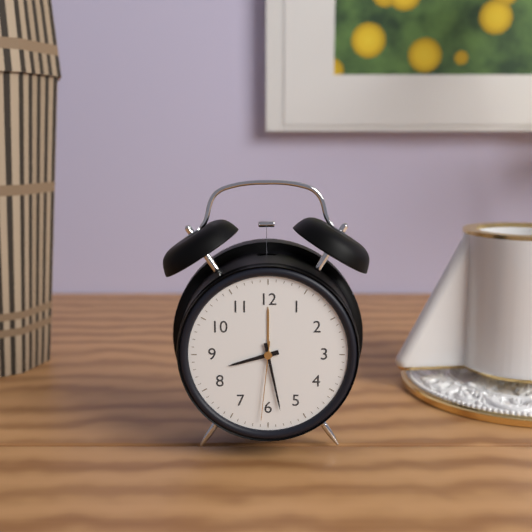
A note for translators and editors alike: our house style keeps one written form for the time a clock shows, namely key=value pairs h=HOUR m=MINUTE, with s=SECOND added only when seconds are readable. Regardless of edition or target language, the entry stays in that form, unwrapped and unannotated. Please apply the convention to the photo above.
h=8 m=28 s=31
